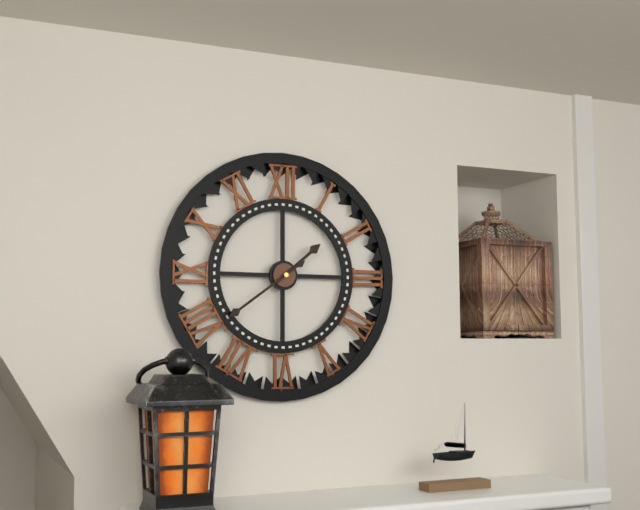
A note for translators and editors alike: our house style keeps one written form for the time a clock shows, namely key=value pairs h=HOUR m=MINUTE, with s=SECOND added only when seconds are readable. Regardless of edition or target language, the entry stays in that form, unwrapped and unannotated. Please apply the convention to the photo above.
h=1 m=39
